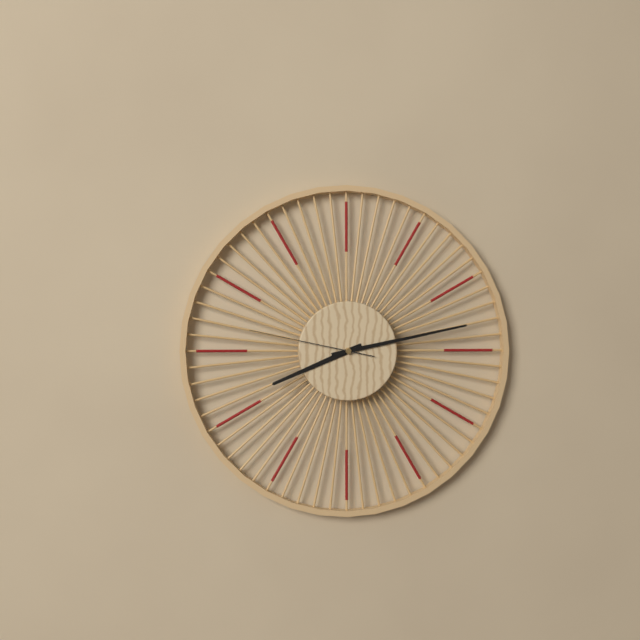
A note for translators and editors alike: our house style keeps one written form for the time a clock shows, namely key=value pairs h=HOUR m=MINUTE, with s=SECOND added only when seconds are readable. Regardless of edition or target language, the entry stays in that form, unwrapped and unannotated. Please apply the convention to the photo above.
h=8 m=13 s=47
